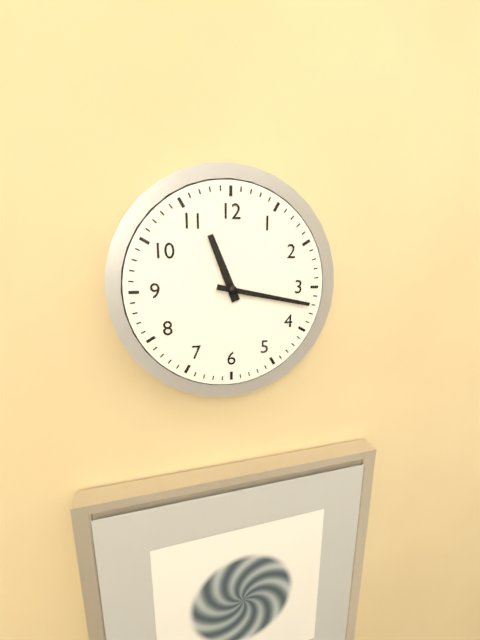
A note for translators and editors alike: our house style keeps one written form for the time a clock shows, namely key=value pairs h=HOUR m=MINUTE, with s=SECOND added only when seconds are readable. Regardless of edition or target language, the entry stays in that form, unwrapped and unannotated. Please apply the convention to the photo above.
h=11 m=17
